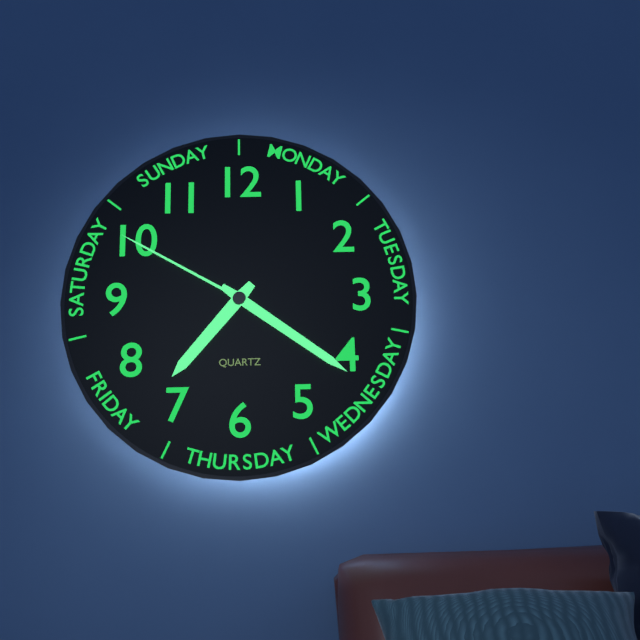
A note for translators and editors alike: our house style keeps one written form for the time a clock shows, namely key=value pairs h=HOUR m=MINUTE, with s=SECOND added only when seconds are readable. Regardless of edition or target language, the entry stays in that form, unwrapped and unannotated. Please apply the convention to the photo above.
h=7 m=21 s=50
